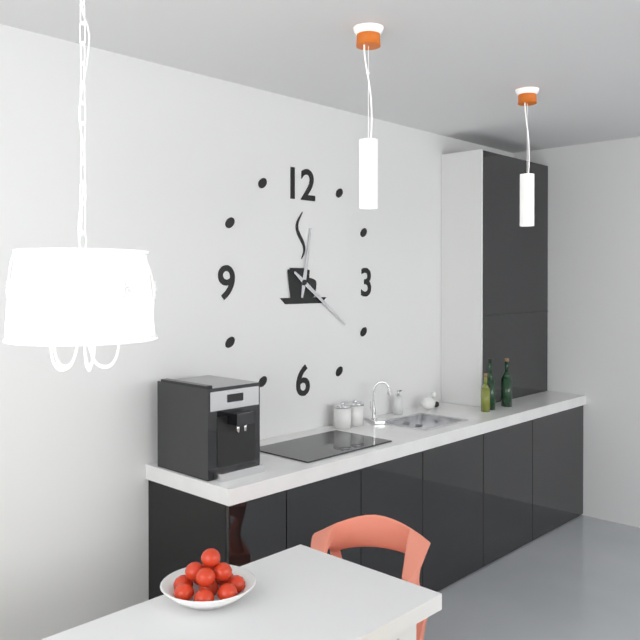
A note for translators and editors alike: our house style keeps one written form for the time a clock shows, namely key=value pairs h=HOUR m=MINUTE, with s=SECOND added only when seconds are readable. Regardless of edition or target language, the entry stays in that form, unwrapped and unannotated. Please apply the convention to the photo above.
h=12 m=21
